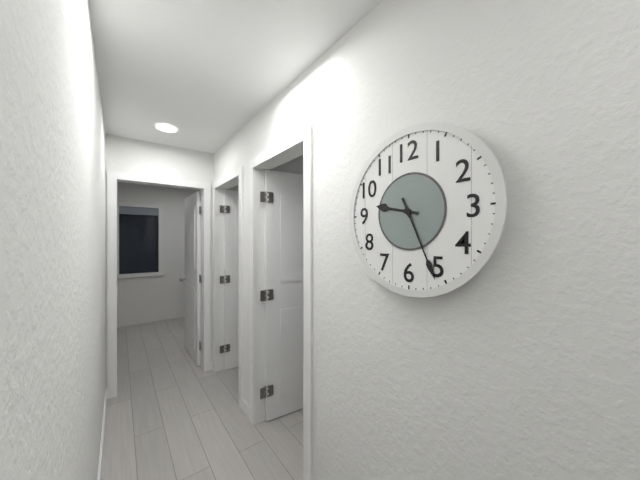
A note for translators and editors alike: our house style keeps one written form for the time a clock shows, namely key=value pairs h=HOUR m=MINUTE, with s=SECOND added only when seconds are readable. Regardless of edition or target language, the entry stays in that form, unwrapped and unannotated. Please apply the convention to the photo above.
h=9 m=26
